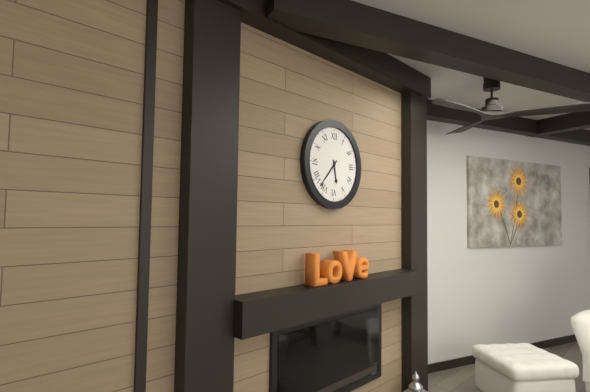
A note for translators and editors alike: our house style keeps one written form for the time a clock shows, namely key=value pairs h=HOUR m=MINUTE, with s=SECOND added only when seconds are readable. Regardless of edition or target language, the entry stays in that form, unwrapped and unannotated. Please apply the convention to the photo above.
h=5 m=37
